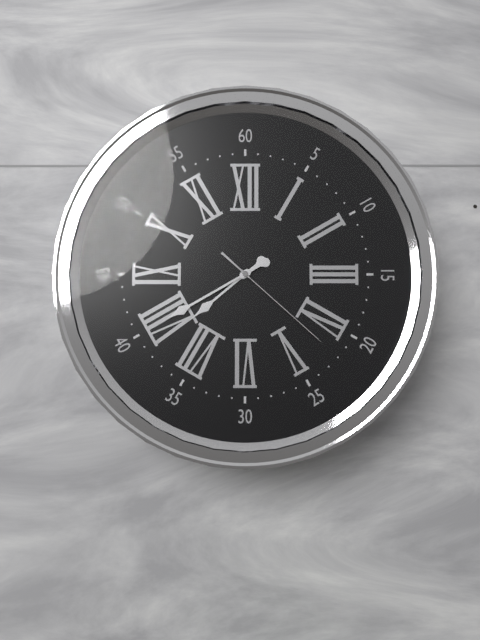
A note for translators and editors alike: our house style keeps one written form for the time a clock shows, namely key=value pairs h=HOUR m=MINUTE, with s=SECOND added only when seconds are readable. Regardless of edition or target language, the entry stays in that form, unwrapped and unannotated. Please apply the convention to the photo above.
h=7 m=40 s=22
